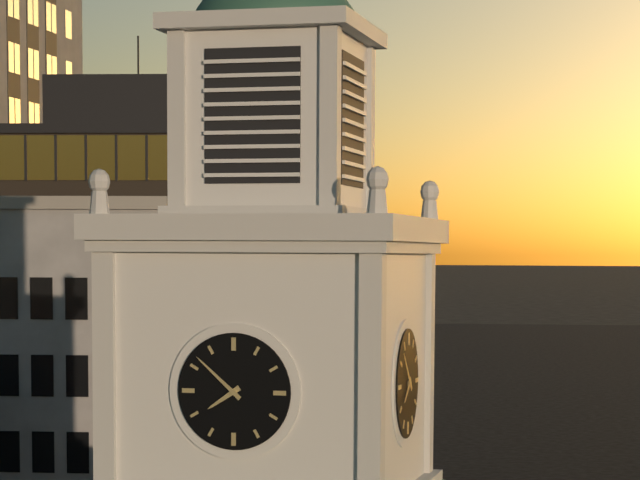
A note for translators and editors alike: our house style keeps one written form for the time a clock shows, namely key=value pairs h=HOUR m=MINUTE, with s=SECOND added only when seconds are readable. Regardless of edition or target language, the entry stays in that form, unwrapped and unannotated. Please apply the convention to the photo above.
h=7 m=52
